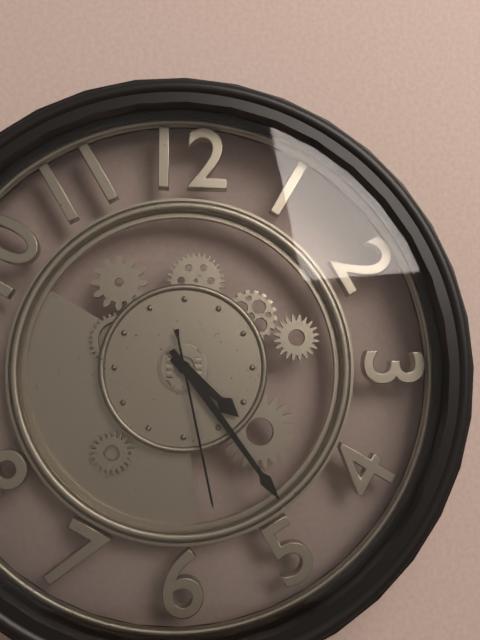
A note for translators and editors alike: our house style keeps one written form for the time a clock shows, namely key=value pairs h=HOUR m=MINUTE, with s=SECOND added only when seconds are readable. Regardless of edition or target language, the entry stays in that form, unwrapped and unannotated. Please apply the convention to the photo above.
h=4 m=24 s=28
